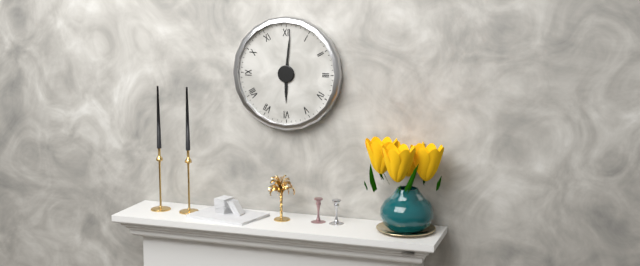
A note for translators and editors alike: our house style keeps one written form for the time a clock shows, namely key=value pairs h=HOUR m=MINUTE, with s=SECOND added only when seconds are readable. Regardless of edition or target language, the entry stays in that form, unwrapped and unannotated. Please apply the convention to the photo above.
h=6 m=1
